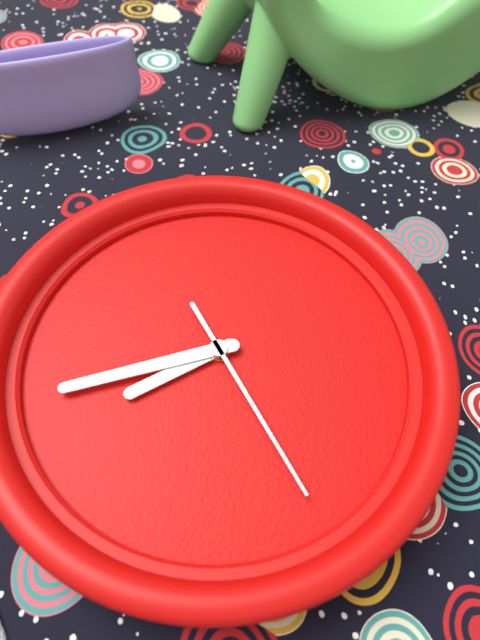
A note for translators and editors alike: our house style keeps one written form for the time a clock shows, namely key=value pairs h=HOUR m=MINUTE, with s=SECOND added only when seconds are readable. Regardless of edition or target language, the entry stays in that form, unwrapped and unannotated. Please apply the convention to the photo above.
h=8 m=46 s=29
